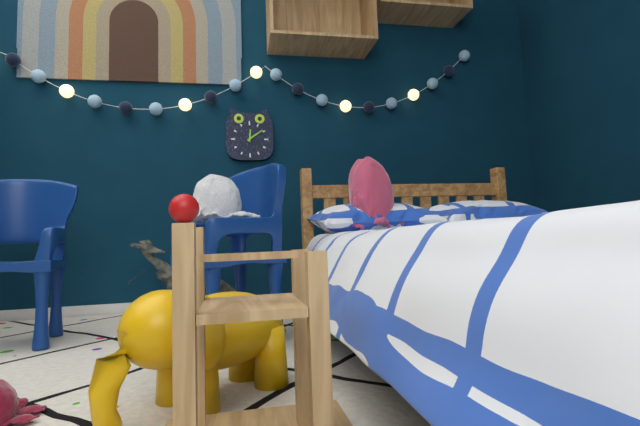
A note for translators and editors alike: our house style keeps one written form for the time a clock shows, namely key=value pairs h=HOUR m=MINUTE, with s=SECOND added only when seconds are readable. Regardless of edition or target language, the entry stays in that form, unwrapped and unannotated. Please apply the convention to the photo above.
h=12 m=9
